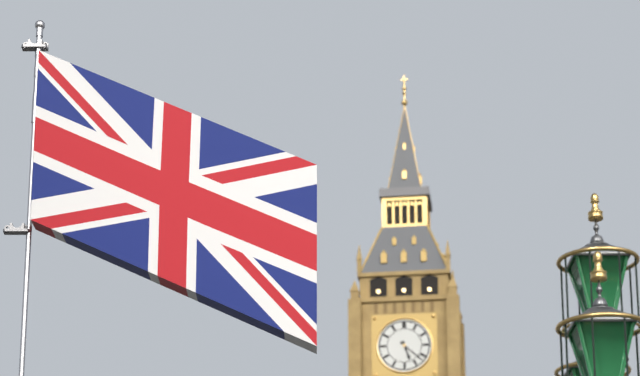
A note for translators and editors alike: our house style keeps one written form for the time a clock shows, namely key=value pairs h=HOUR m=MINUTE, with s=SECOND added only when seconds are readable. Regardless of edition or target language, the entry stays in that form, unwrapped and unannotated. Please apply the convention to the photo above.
h=5 m=22
